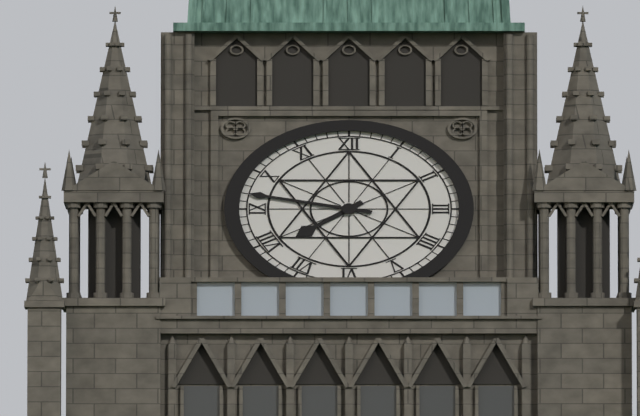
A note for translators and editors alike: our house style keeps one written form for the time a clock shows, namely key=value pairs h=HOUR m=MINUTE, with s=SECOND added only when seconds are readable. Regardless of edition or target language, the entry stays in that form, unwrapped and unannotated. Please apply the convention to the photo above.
h=7 m=47
